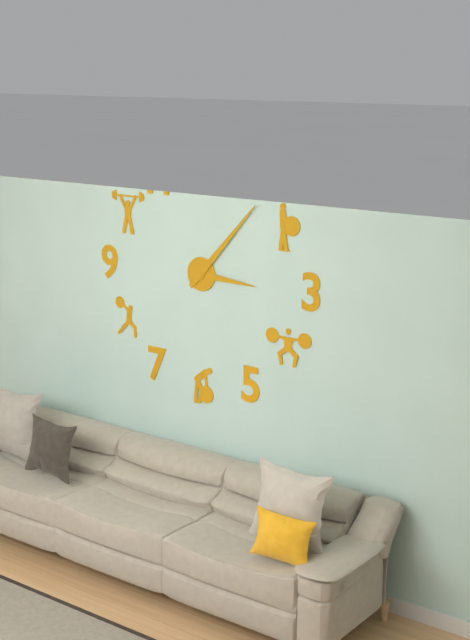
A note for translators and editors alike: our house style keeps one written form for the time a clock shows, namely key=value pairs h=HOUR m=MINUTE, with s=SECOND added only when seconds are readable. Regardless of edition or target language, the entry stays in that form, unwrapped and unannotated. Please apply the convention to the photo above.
h=3 m=7
